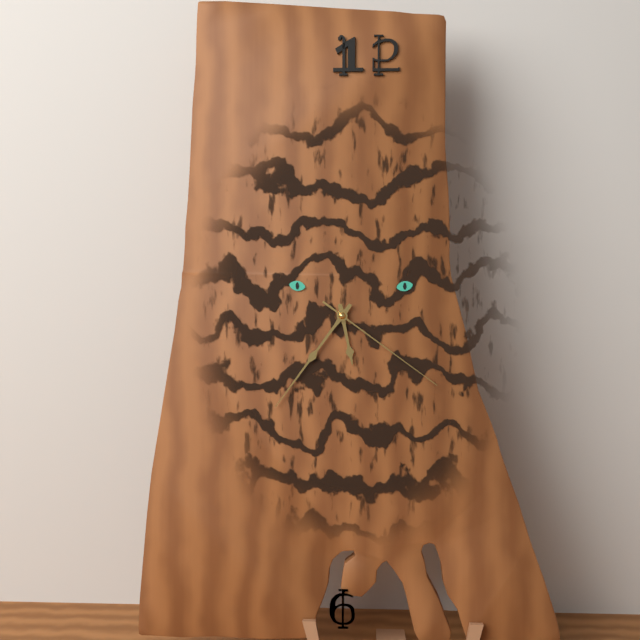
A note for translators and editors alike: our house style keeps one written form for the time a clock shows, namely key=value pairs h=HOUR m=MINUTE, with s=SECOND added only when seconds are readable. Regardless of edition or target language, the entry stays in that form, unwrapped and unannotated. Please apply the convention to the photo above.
h=5 m=36 s=21
